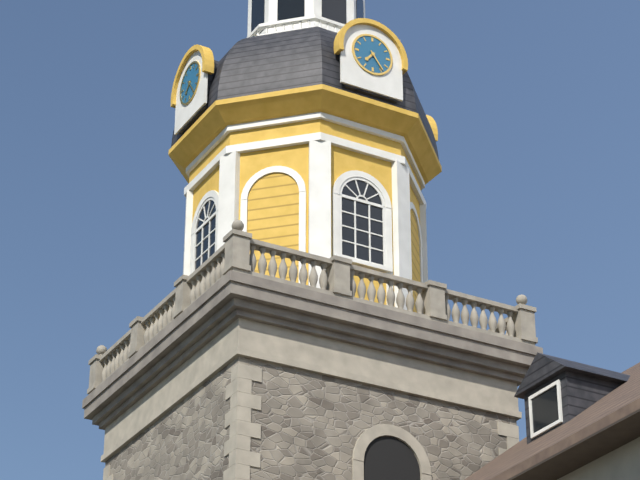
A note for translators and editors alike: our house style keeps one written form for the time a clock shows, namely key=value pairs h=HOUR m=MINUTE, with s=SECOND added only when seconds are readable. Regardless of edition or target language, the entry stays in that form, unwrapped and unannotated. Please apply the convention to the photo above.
h=7 m=24
